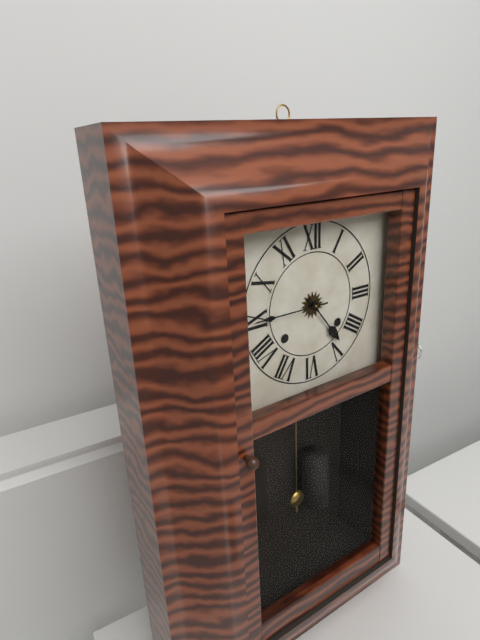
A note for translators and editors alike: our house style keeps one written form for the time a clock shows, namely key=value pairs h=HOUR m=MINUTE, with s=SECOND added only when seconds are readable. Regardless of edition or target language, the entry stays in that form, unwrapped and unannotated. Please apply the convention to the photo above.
h=4 m=45
